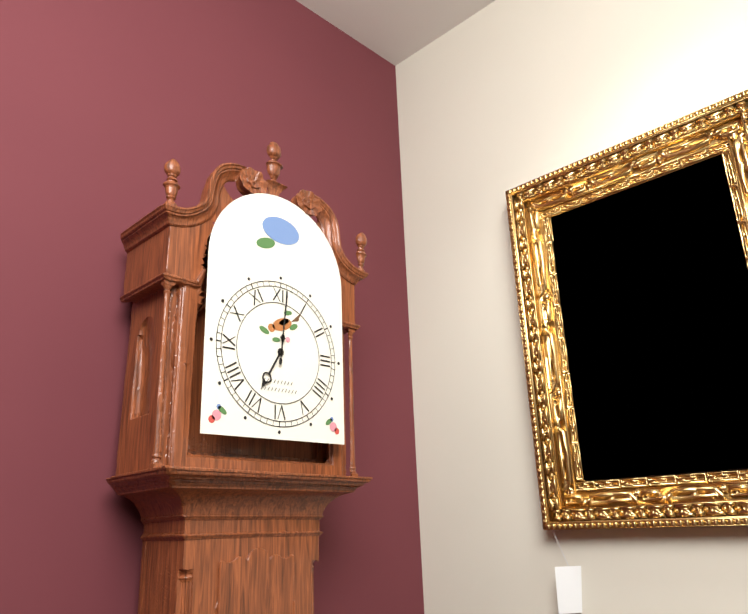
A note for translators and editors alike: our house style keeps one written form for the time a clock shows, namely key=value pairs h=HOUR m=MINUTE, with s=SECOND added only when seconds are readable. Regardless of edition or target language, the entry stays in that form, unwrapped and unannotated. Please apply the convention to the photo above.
h=7 m=1
